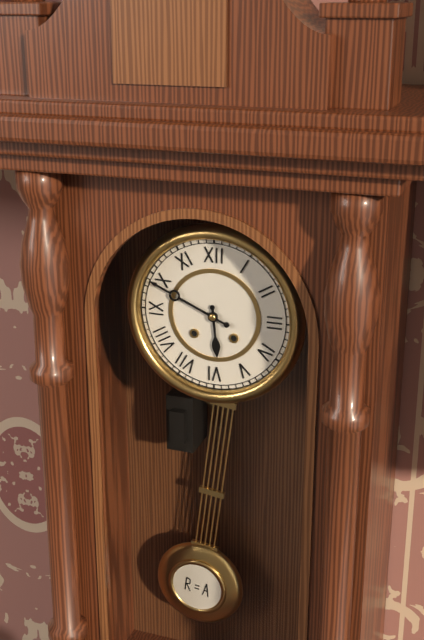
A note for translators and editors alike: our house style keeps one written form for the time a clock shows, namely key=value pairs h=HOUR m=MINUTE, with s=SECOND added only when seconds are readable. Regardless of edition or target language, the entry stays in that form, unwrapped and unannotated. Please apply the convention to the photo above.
h=5 m=49
